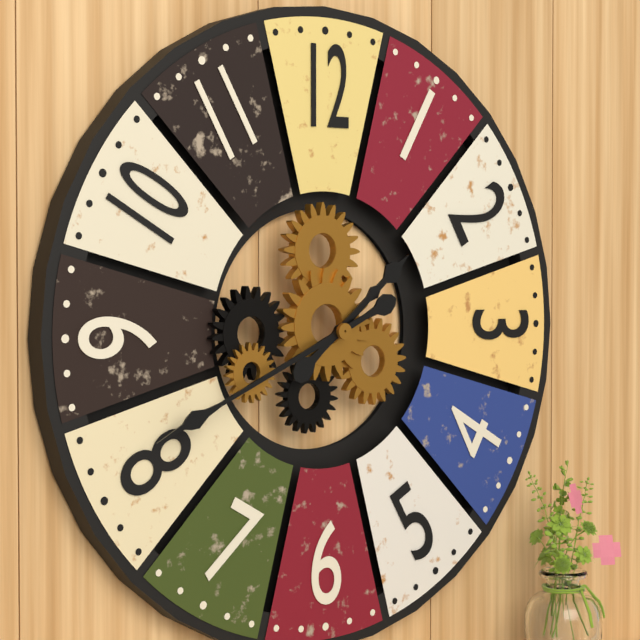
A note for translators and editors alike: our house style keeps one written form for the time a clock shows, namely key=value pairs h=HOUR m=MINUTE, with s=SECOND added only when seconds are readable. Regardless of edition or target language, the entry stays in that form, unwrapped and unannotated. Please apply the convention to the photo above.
h=1 m=41
